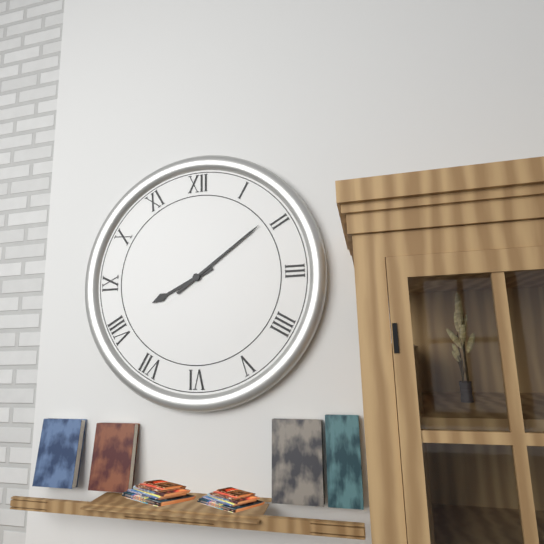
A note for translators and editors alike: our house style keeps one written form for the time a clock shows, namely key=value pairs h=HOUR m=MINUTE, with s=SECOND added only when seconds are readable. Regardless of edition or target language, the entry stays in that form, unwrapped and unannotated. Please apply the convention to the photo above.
h=8 m=9
